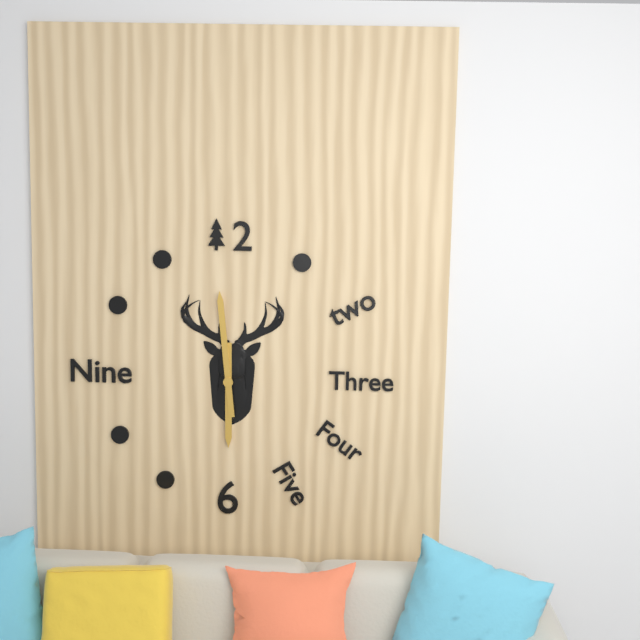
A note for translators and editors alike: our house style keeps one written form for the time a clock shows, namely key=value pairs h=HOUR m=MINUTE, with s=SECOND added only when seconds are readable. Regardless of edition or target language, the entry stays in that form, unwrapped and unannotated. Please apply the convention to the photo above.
h=5 m=59
